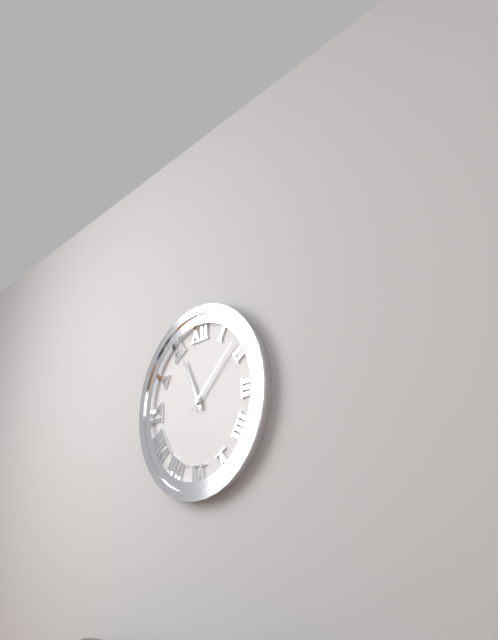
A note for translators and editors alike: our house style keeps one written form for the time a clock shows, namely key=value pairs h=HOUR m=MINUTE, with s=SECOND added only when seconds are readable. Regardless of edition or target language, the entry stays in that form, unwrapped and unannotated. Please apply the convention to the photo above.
h=11 m=8
